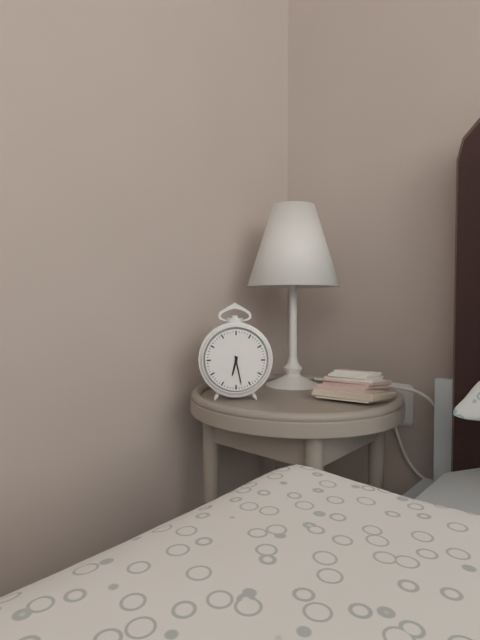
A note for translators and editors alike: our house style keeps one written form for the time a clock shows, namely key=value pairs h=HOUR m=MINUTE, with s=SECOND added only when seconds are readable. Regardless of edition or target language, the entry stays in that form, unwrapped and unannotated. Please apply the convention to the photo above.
h=6 m=28
